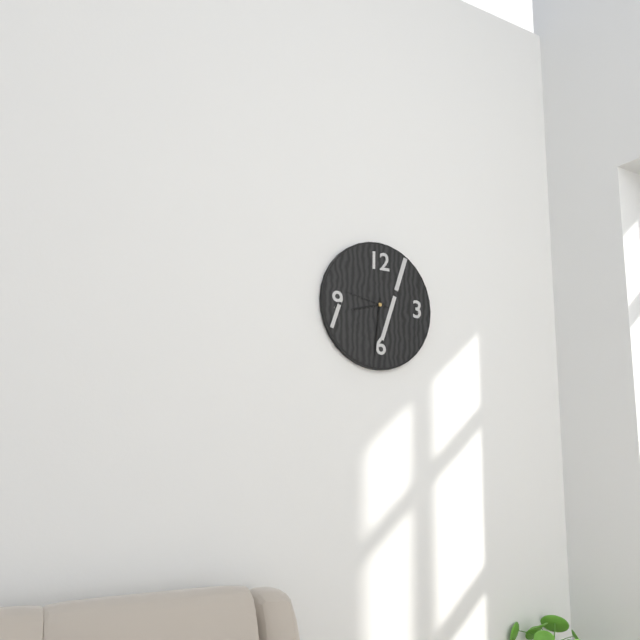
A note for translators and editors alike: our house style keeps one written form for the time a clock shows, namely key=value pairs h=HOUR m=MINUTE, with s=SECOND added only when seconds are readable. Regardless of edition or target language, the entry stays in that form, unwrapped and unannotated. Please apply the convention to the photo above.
h=8 m=31
